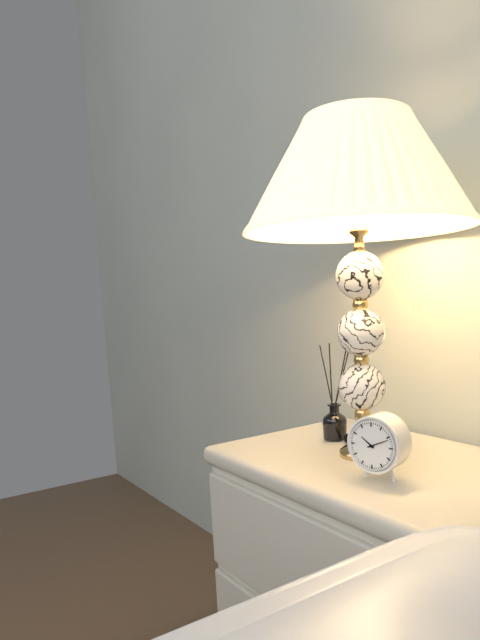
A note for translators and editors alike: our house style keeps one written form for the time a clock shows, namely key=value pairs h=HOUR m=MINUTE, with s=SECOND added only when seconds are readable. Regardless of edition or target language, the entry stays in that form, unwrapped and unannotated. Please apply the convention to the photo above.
h=10 m=11
